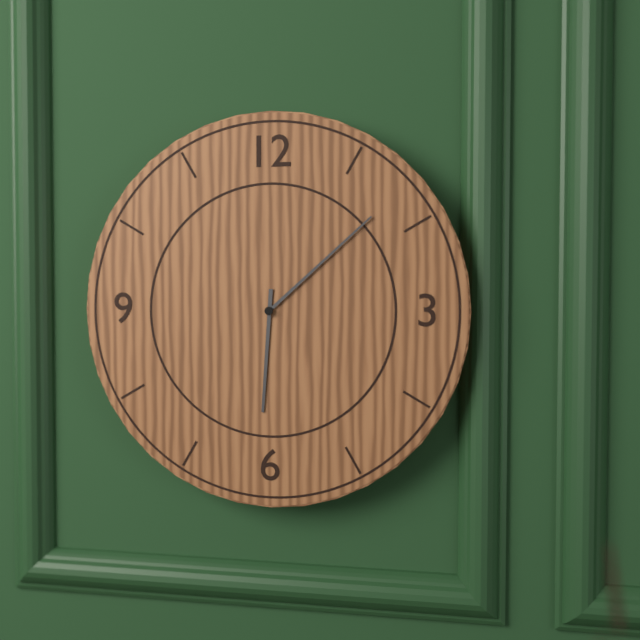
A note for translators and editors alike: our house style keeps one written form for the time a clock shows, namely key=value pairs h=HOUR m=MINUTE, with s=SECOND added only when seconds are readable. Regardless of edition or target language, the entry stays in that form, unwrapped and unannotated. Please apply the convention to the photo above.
h=6 m=8
